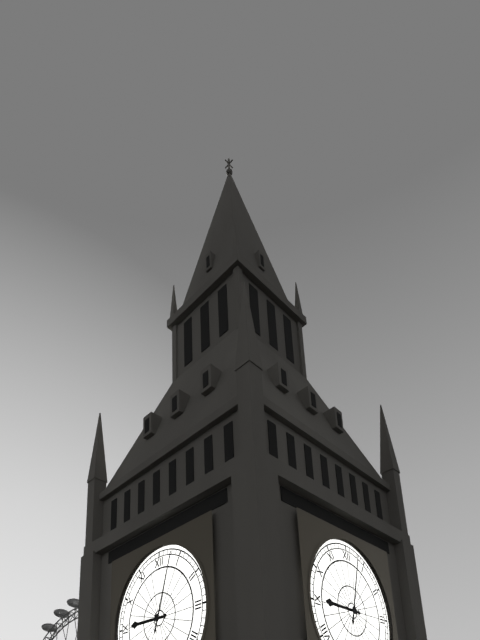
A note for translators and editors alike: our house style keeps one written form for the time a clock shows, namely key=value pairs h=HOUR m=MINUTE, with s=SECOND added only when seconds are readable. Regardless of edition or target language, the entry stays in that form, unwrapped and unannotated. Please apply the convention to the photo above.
h=9 m=3
